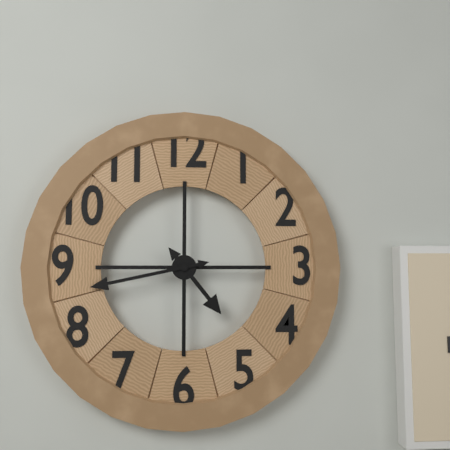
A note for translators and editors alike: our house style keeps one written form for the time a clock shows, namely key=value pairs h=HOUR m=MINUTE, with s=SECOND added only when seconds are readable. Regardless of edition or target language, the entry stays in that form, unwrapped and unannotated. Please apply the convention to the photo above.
h=4 m=43
